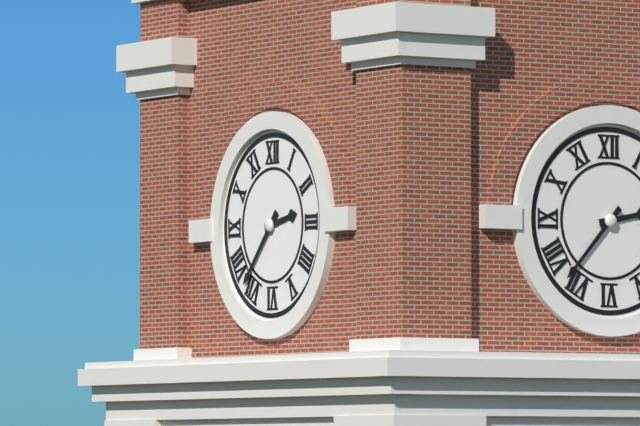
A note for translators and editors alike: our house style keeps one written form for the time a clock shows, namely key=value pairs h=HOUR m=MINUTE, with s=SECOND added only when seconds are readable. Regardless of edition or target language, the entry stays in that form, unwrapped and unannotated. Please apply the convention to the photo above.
h=2 m=37
